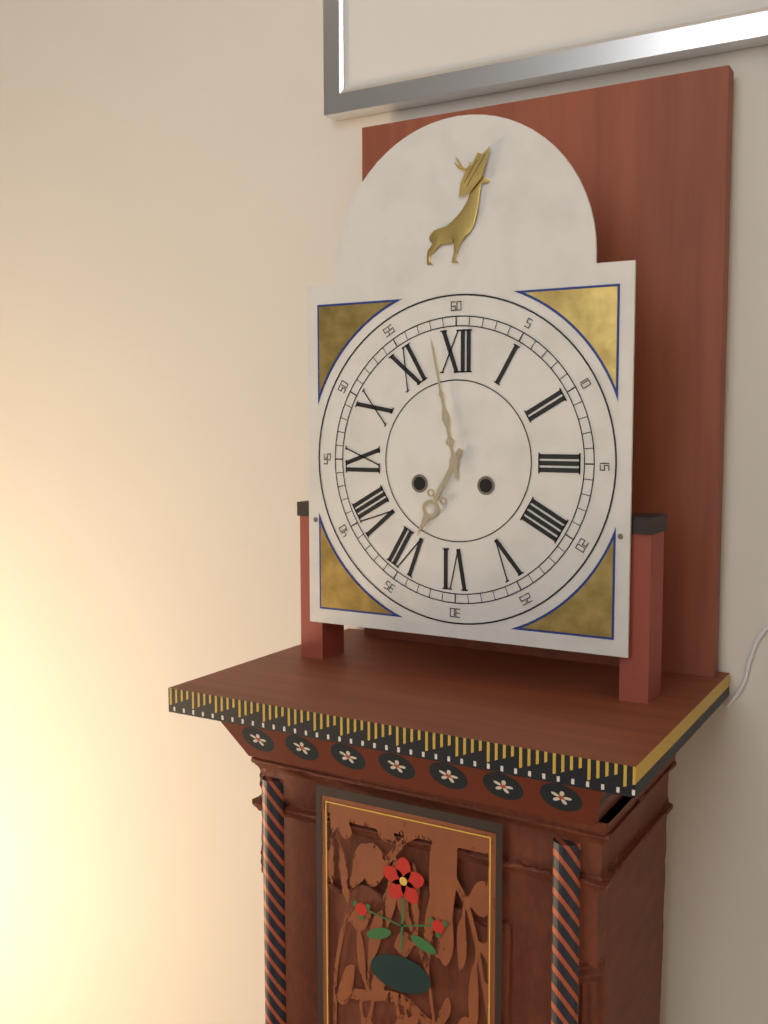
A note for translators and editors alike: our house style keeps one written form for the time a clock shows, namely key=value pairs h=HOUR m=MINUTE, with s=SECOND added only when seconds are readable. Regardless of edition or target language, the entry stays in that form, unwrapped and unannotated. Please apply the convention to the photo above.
h=6 m=58
